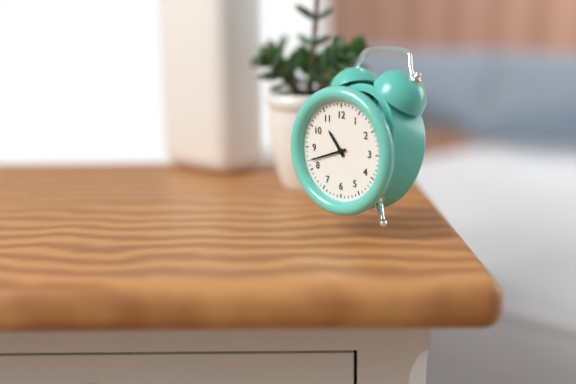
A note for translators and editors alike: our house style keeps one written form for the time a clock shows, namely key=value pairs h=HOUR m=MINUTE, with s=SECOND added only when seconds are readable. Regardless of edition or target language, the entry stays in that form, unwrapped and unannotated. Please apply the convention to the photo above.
h=10 m=42
